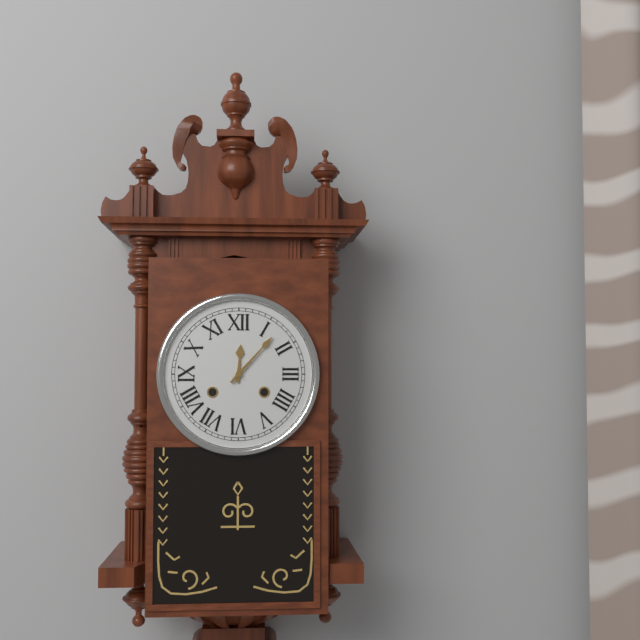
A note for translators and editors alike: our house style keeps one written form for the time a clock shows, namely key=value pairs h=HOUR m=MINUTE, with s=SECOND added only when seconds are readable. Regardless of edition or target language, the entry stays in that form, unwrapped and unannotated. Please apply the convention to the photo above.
h=12 m=7
